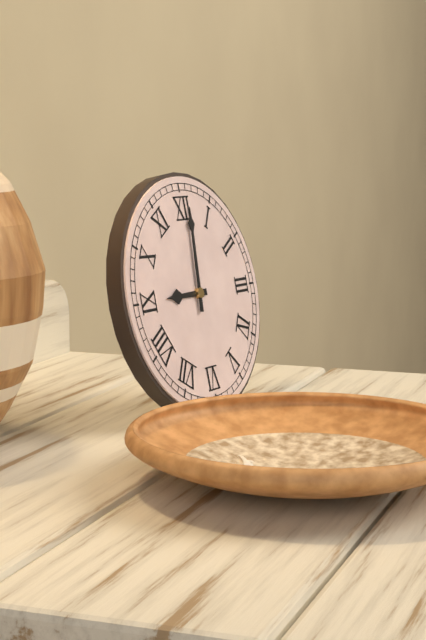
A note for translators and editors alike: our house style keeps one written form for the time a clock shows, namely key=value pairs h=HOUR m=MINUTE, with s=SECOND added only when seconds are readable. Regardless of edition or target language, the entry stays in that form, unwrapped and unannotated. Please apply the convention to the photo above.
h=9 m=1
